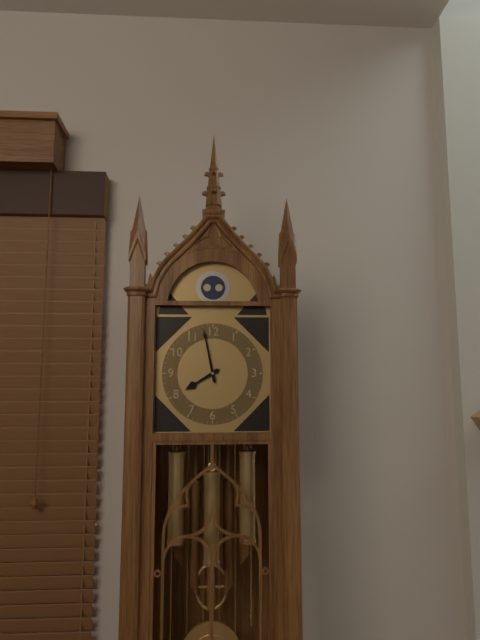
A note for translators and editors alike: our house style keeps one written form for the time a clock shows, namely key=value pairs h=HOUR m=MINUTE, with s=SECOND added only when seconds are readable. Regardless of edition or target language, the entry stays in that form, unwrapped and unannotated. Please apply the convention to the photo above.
h=7 m=58
